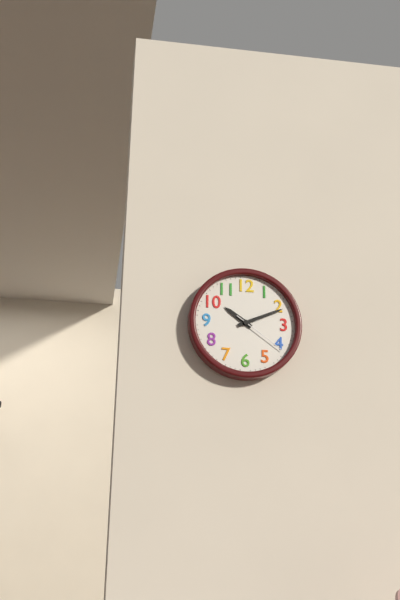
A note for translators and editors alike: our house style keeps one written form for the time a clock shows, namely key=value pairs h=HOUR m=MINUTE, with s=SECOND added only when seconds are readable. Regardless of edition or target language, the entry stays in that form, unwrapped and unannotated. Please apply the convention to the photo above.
h=10 m=11 s=21
